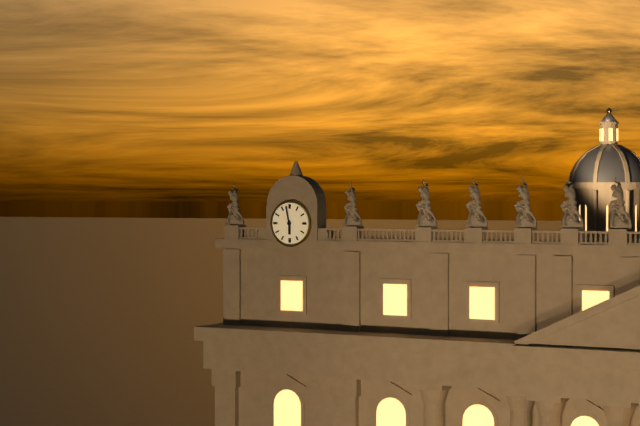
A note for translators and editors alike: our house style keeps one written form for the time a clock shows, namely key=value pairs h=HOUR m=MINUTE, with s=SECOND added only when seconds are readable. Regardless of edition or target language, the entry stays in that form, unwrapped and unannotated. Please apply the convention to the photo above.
h=5 m=58
